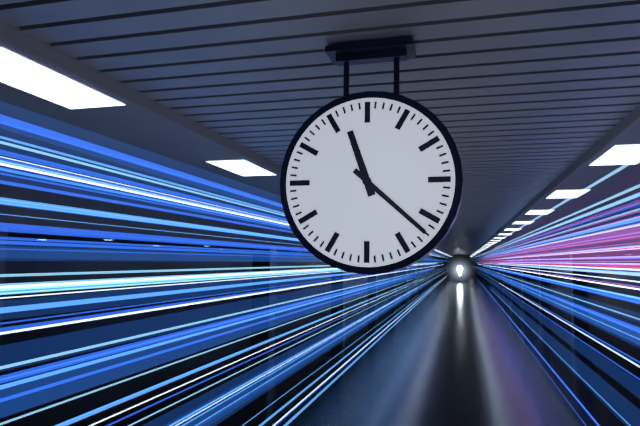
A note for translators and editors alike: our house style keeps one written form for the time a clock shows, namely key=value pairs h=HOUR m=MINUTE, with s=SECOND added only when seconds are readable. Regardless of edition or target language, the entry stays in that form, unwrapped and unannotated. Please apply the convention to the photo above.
h=11 m=22
